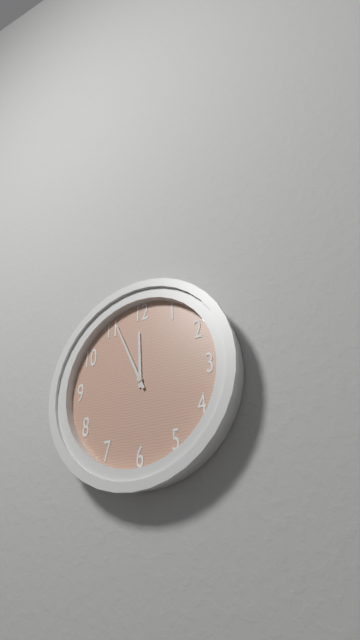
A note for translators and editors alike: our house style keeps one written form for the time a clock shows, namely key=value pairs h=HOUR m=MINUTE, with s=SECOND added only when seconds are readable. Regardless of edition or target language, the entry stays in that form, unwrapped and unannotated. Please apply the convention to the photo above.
h=11 m=56
